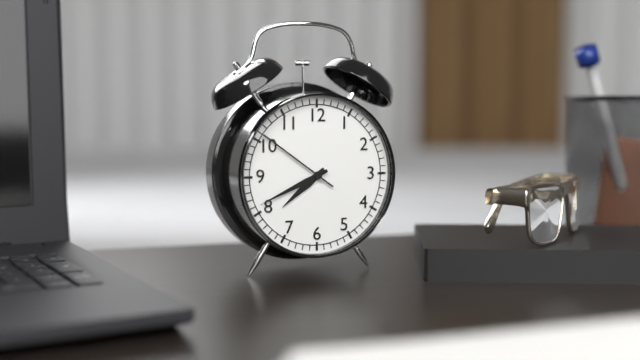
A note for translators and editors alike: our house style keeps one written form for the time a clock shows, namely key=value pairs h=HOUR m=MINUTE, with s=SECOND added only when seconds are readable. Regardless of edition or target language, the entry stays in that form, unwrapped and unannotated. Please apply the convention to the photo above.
h=7 m=41 s=51
